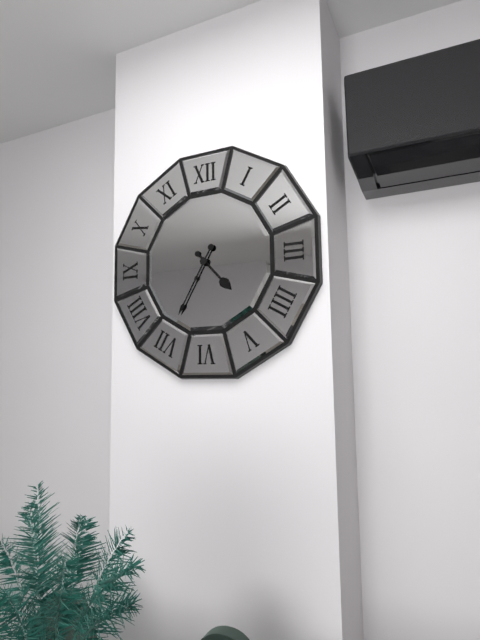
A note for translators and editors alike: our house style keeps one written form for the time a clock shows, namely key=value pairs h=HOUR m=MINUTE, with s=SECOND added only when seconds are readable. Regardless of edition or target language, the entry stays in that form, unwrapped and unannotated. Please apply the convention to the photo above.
h=4 m=35
